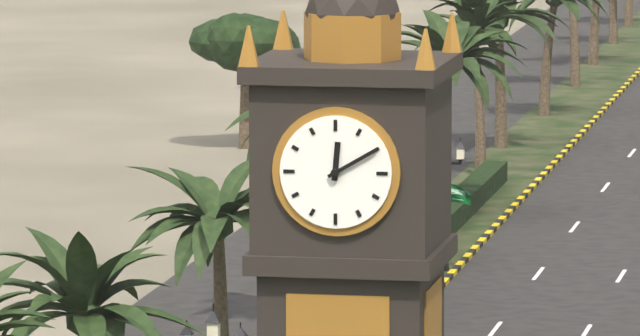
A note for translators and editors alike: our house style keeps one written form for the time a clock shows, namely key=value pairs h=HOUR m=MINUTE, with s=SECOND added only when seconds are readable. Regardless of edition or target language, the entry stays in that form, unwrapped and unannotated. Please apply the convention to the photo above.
h=12 m=10
